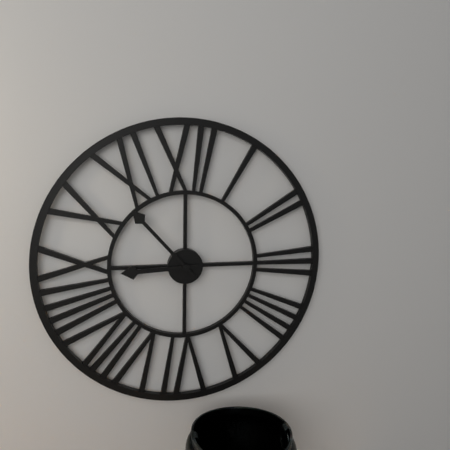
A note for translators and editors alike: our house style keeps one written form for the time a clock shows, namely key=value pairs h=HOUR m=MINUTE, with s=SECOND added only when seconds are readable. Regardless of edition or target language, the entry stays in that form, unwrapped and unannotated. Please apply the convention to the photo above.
h=8 m=53
